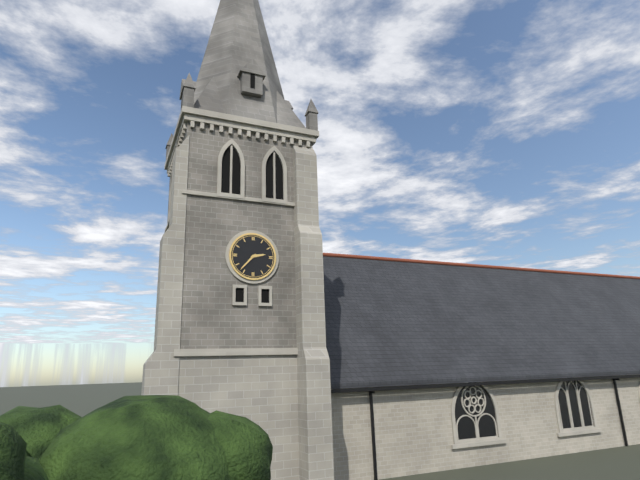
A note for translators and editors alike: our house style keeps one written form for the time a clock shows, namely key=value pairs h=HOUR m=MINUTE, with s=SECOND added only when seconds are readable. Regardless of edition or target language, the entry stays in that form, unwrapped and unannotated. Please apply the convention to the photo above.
h=2 m=37
